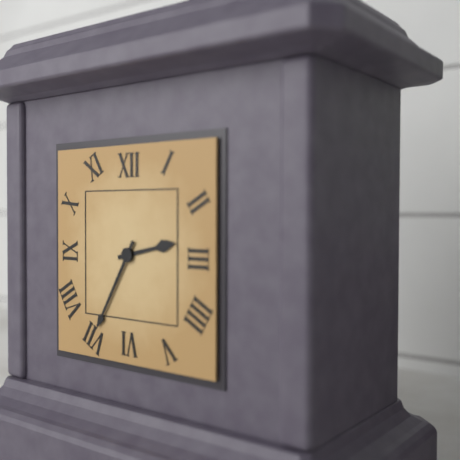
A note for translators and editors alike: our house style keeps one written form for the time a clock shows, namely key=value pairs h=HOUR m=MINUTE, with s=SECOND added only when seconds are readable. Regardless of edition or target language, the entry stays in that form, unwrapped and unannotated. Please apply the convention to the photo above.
h=2 m=35
